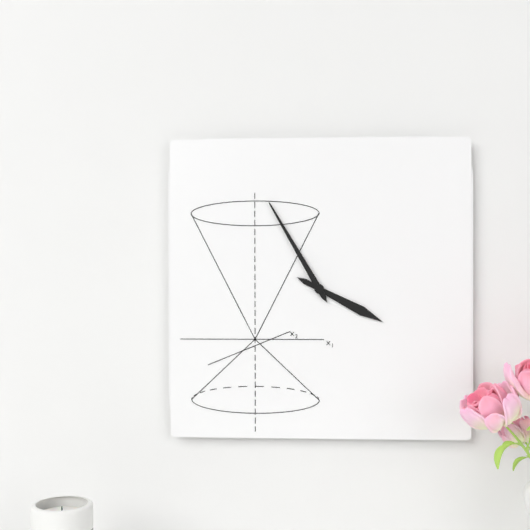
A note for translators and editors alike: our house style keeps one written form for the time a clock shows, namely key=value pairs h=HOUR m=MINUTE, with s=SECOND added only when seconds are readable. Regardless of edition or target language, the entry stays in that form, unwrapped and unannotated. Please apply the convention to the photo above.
h=3 m=55
